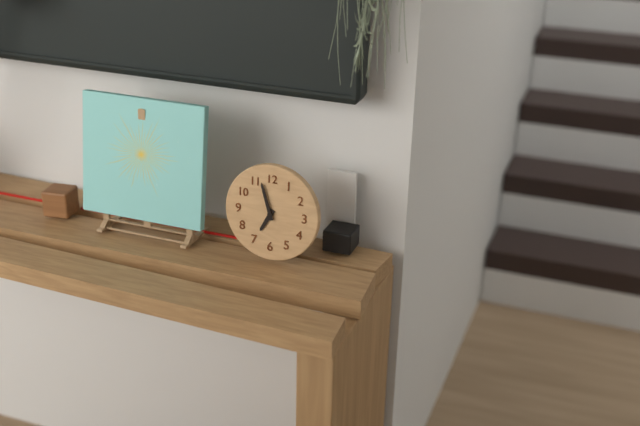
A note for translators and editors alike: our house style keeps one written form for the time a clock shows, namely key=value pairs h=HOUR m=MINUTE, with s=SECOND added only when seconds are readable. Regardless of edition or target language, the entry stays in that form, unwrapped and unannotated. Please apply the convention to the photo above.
h=6 m=57
